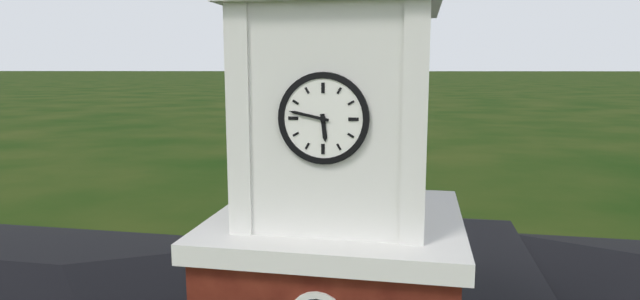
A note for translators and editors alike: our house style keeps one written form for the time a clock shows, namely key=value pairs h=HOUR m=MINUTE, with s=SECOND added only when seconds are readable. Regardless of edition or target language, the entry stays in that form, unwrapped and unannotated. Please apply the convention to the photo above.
h=5 m=47
